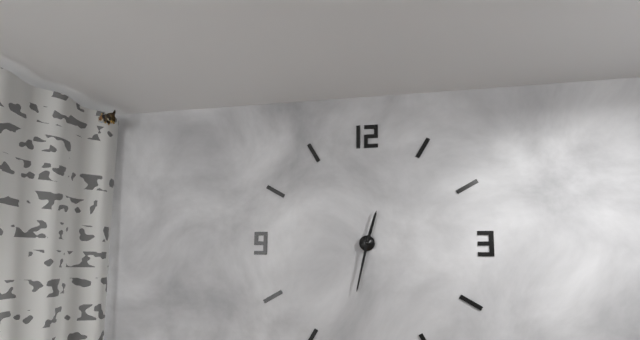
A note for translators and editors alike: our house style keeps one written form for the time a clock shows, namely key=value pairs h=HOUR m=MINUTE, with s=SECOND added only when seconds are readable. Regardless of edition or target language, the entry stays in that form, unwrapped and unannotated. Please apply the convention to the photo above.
h=12 m=32
